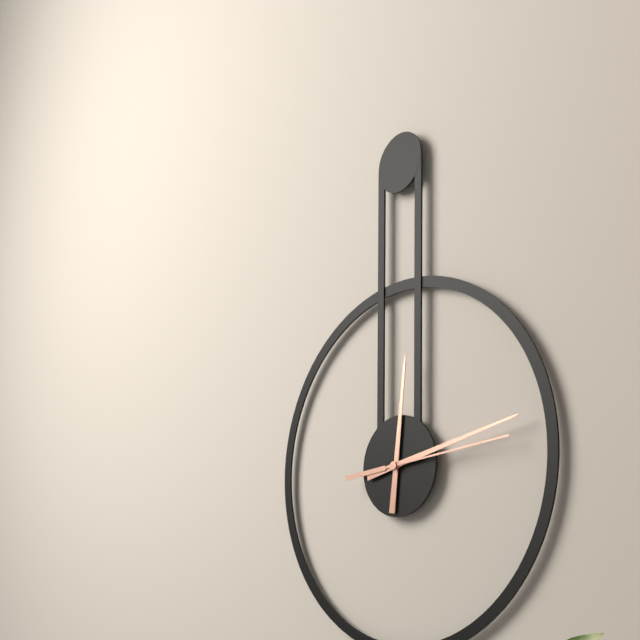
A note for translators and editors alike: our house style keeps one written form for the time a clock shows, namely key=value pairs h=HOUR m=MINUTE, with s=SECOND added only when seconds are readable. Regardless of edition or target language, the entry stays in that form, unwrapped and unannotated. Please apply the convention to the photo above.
h=12 m=13 s=14
